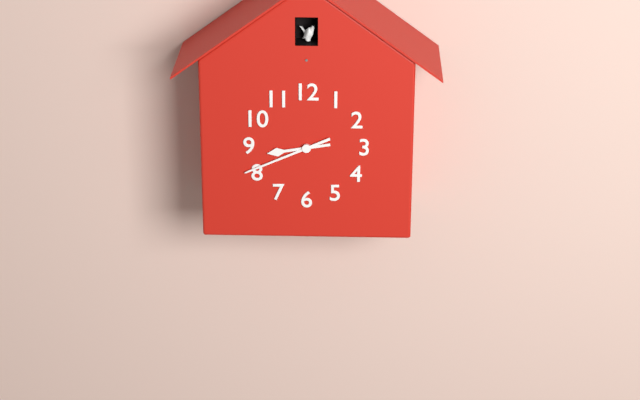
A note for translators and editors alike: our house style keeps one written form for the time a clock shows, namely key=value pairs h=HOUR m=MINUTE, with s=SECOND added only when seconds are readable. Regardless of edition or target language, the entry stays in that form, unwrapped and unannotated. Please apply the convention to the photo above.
h=8 m=41
